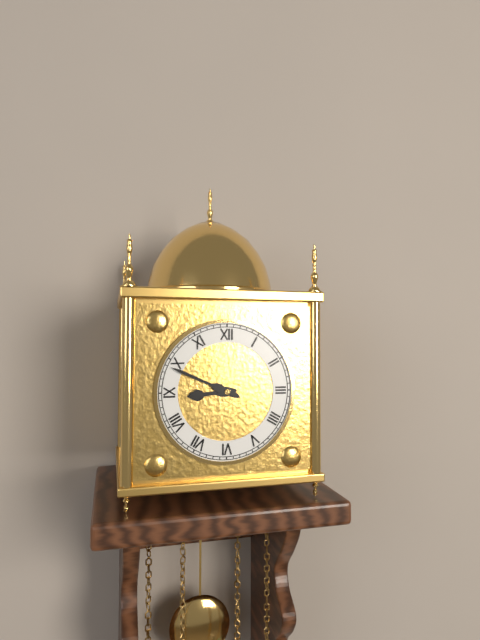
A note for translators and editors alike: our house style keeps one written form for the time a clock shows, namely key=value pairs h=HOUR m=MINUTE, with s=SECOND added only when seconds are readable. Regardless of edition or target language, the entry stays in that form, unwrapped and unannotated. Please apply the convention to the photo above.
h=8 m=49
